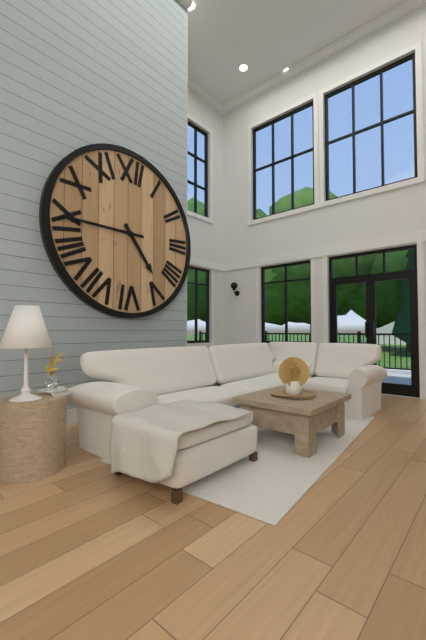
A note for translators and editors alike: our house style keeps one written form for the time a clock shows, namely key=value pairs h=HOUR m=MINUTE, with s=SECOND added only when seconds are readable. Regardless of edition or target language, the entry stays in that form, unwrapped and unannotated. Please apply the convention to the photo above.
h=4 m=45
